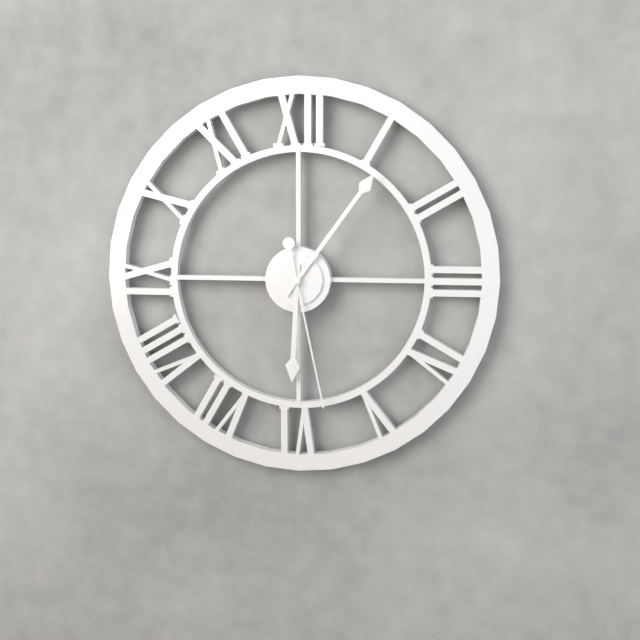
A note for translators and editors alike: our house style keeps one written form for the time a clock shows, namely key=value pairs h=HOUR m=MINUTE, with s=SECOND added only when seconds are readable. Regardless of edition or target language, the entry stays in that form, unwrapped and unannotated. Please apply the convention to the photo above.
h=6 m=6 s=28
